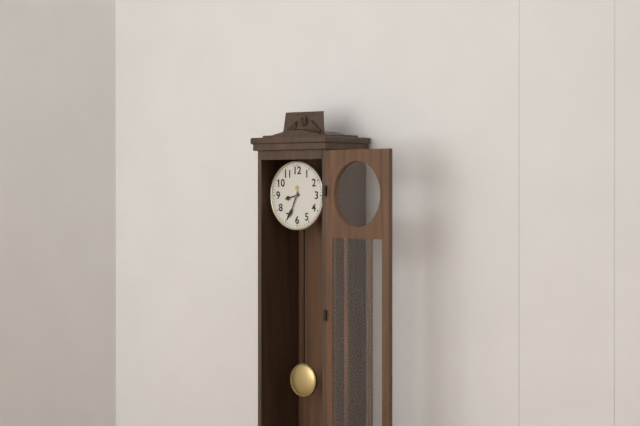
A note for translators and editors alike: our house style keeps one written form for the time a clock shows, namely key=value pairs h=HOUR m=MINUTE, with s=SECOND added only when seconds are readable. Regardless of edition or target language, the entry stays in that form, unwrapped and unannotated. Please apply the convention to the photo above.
h=8 m=34
